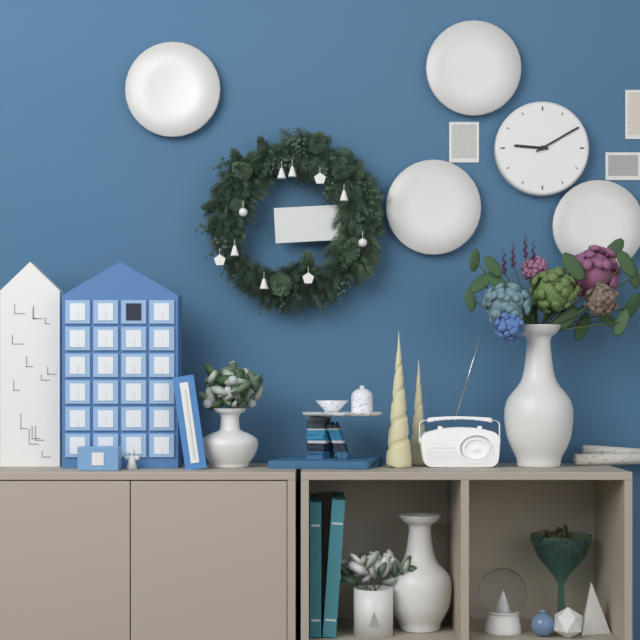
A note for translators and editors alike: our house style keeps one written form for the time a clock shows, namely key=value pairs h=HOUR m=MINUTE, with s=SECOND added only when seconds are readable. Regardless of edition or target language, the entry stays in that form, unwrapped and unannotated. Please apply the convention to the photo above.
h=9 m=10
